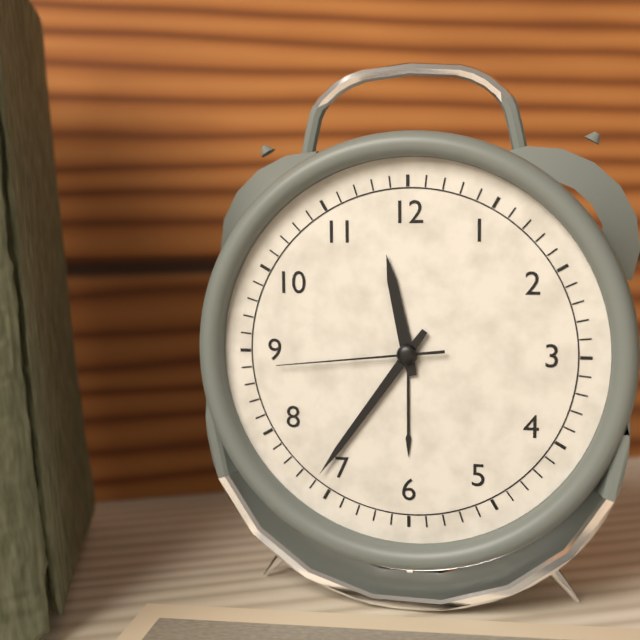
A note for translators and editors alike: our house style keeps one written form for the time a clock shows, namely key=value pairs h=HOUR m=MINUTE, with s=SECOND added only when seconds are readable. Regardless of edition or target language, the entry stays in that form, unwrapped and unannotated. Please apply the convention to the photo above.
h=11 m=36 s=44
